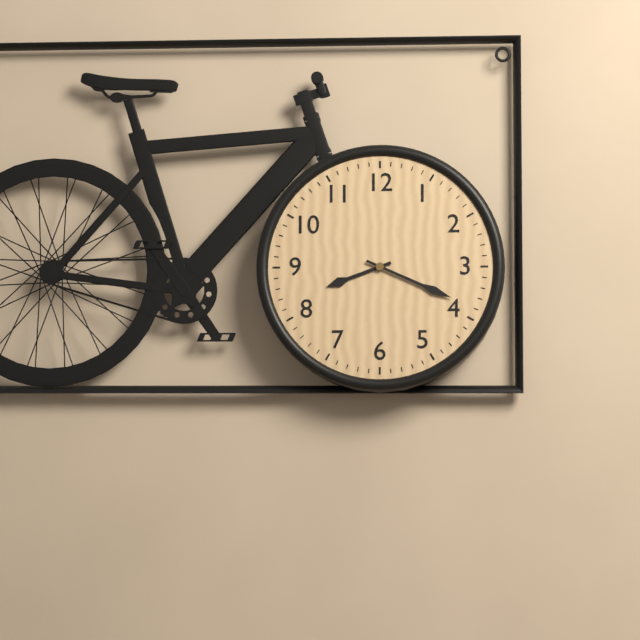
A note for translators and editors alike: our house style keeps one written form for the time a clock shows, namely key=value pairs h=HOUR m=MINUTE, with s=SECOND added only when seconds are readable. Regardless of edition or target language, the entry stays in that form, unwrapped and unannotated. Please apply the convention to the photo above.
h=8 m=19
